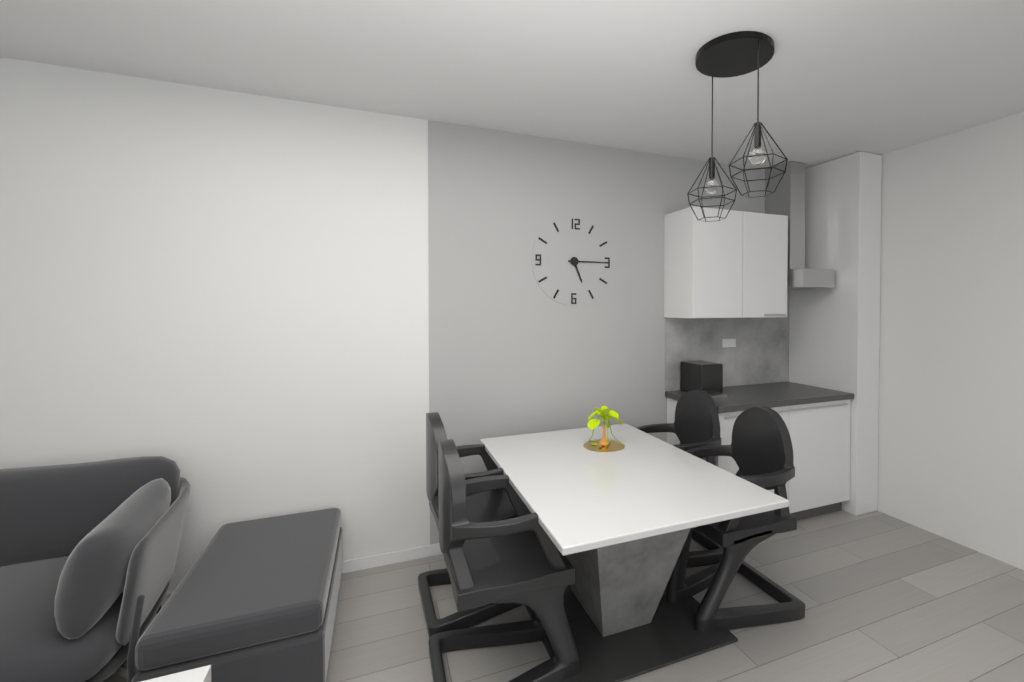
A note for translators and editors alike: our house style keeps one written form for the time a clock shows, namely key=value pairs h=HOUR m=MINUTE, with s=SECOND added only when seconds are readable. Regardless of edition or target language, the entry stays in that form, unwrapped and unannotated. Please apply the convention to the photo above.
h=5 m=15
